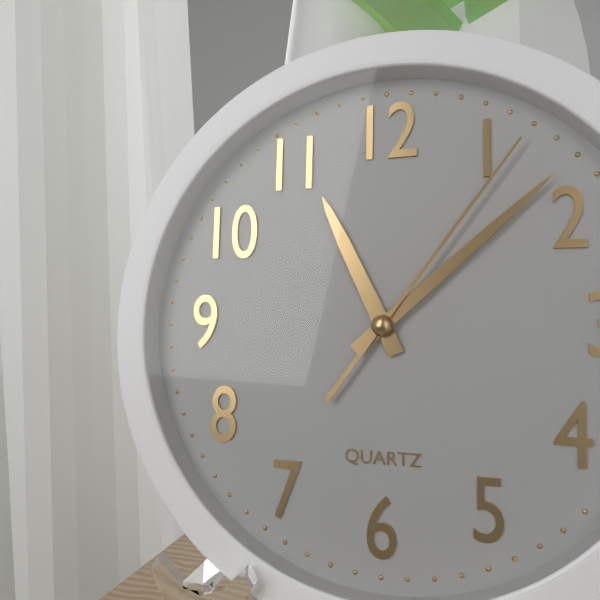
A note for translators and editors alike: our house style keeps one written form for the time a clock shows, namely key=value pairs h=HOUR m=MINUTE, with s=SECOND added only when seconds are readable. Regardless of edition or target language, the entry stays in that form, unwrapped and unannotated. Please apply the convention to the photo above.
h=11 m=8 s=6
